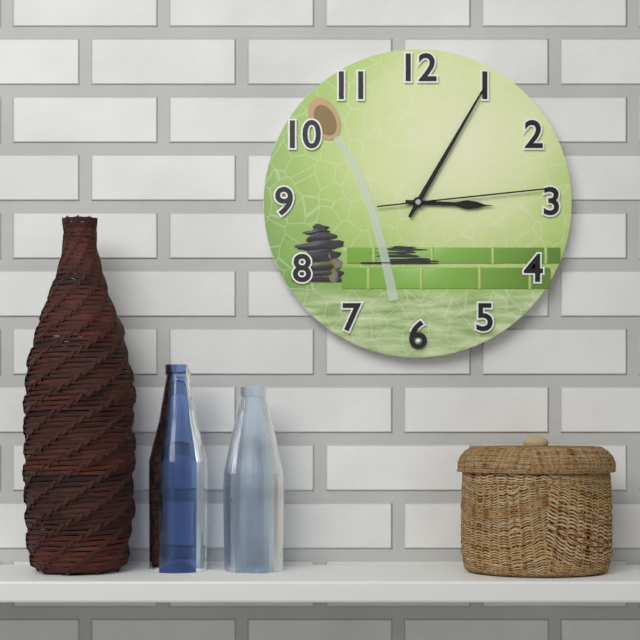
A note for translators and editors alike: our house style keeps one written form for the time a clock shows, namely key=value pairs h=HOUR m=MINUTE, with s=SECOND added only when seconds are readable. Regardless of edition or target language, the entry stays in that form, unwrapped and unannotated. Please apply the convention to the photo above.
h=3 m=5 s=14
